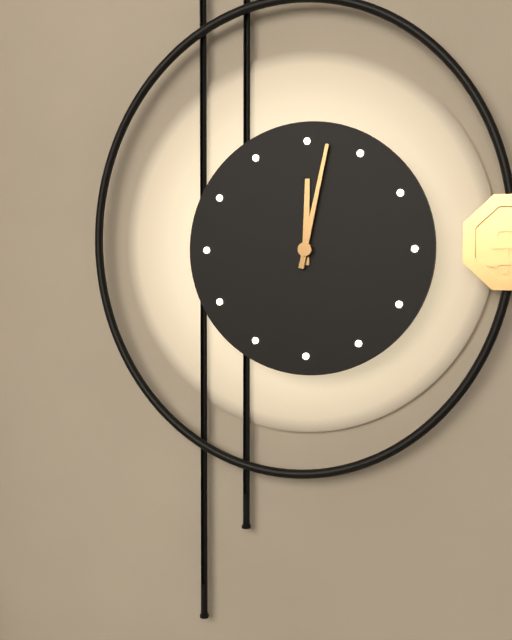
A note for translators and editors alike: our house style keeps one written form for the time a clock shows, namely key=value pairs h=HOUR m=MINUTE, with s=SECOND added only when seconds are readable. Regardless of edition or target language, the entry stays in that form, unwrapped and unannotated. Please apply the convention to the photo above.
h=12 m=2
